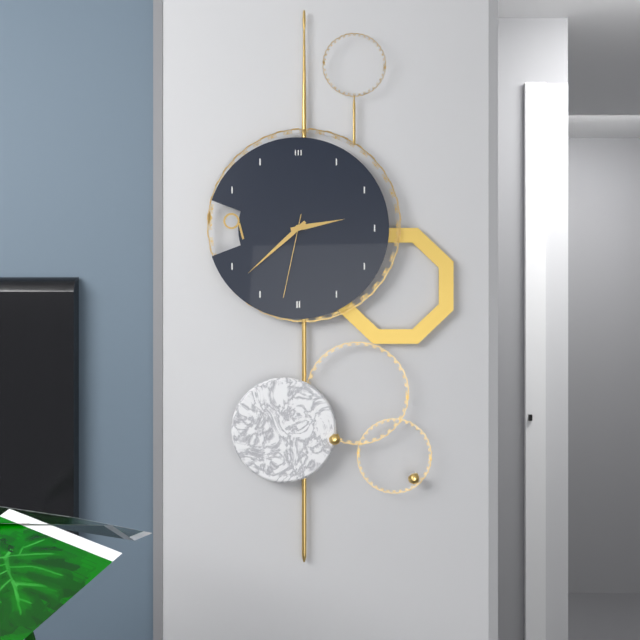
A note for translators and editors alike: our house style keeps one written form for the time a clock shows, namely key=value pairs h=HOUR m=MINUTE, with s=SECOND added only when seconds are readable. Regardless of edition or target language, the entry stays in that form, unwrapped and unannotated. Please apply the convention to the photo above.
h=2 m=38 s=32
